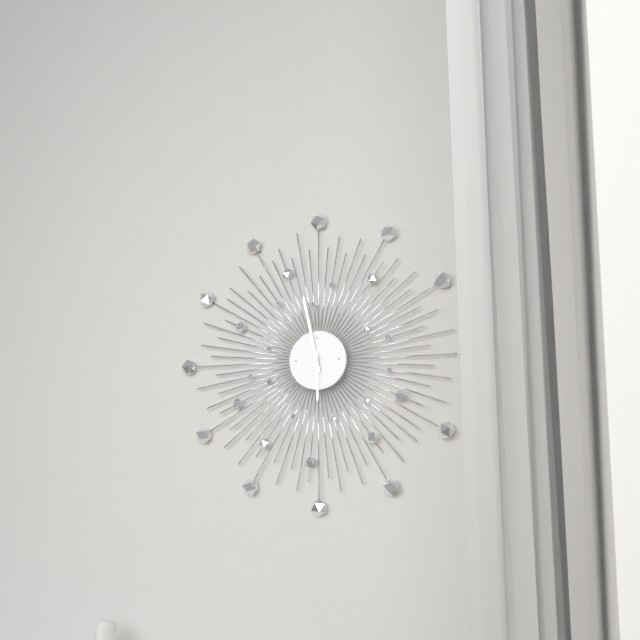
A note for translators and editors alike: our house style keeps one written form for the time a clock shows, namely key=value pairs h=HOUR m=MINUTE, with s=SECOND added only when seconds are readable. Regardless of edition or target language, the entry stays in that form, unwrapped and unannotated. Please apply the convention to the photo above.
h=5 m=58
